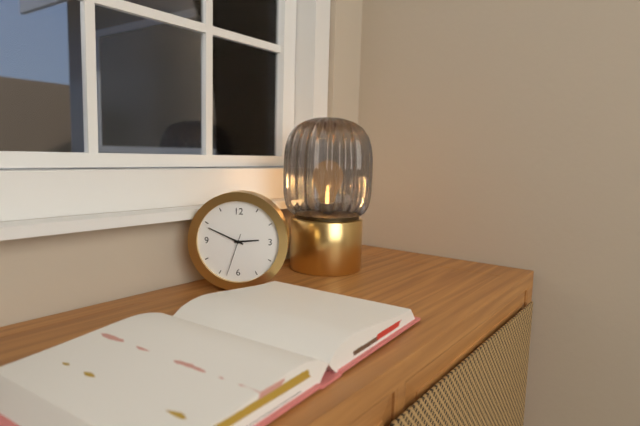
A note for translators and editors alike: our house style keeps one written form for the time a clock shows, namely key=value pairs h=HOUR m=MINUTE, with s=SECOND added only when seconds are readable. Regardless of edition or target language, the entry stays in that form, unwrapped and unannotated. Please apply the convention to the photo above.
h=2 m=49
